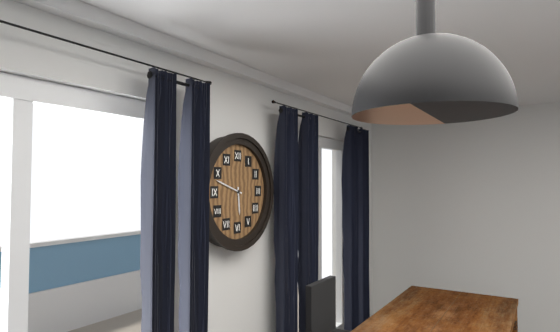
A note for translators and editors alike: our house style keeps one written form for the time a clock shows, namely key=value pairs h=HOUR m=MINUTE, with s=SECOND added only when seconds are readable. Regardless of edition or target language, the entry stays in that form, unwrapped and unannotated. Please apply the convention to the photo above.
h=5 m=48
